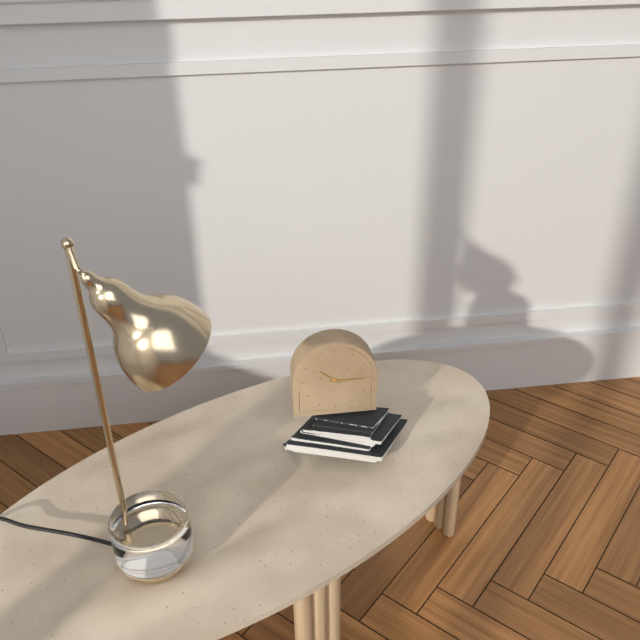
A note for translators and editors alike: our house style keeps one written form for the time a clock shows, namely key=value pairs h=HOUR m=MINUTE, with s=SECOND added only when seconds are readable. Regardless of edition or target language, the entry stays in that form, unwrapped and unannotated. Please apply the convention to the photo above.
h=10 m=15
